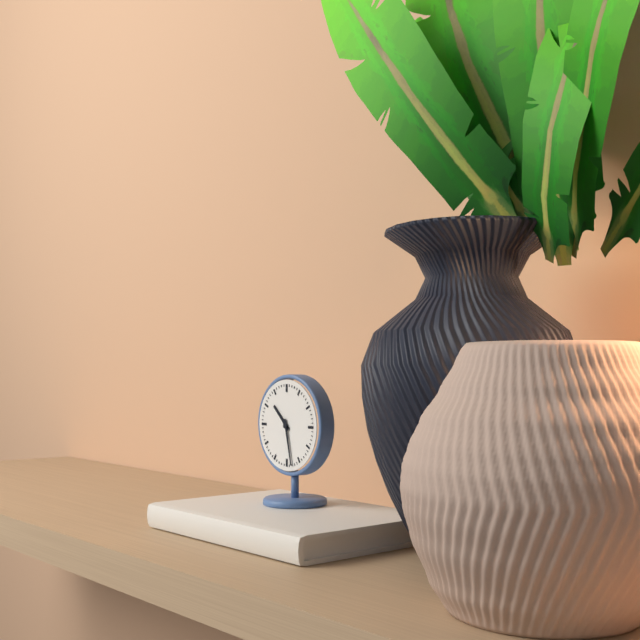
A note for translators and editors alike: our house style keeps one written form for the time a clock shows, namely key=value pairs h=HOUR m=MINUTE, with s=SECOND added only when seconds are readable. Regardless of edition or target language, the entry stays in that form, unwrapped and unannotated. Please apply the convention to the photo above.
h=10 m=28
